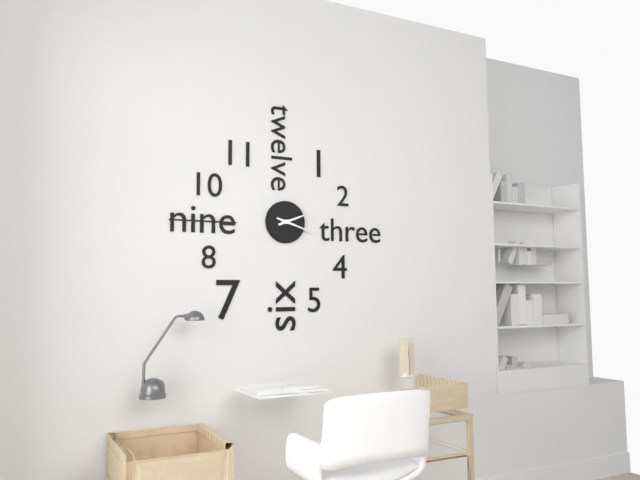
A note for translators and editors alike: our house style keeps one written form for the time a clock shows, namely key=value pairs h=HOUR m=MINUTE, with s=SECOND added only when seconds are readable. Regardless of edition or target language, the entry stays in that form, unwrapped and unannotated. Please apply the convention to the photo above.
h=2 m=18
